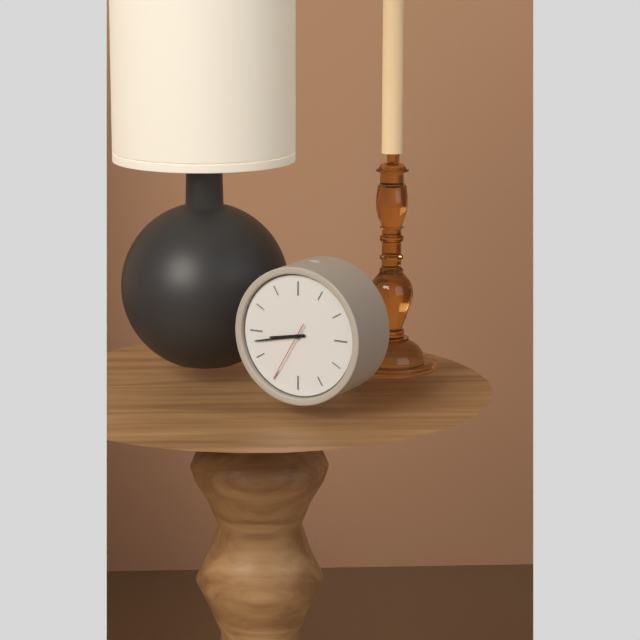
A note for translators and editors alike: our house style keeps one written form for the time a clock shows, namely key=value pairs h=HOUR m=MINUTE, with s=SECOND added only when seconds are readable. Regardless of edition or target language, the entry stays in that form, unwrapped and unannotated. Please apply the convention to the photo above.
h=8 m=43 s=35
